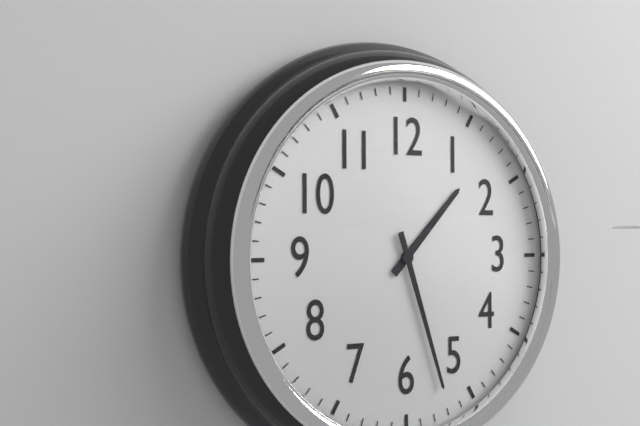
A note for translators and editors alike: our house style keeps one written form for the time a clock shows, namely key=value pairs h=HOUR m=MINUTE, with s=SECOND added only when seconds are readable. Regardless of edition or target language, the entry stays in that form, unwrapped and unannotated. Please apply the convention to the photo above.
h=1 m=27
